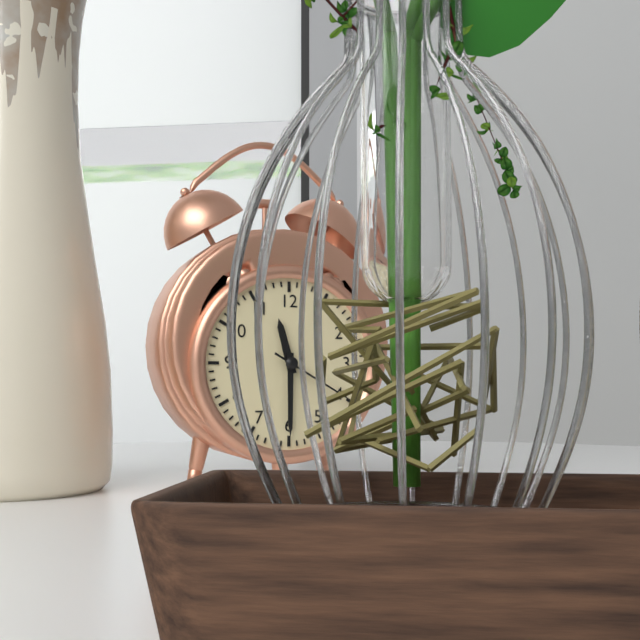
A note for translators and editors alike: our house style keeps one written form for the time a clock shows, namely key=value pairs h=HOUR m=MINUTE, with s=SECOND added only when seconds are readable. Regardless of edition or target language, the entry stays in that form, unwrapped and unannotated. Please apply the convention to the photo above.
h=11 m=30 s=20
